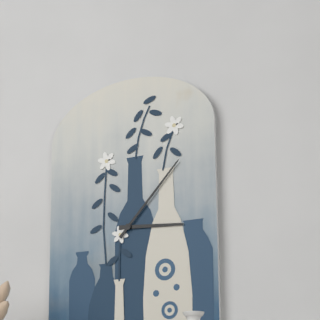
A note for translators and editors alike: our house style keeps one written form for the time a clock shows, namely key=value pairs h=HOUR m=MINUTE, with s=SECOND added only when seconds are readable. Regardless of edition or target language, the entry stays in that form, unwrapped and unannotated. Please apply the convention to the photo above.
h=3 m=7
